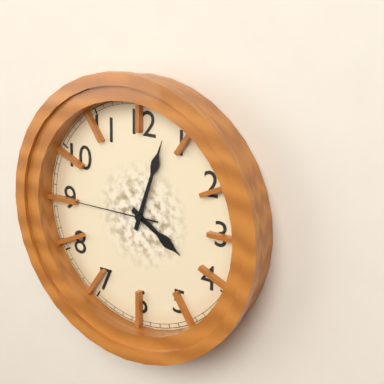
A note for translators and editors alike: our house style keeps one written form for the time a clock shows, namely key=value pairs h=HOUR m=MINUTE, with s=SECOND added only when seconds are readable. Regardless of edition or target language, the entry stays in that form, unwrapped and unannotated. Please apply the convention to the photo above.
h=4 m=3 s=45
